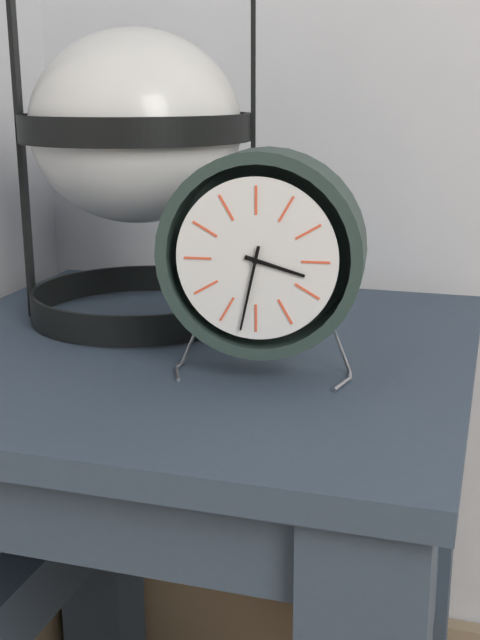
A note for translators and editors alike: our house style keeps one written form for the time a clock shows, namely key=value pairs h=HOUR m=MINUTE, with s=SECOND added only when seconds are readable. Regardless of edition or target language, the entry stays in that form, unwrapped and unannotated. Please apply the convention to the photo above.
h=3 m=32
